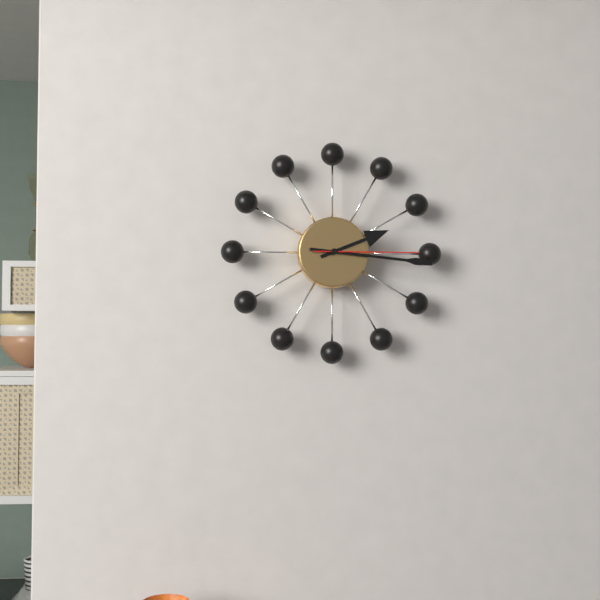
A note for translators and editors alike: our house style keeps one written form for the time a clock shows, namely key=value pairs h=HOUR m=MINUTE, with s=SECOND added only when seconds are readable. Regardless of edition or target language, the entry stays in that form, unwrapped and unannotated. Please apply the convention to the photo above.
h=2 m=16 s=15
